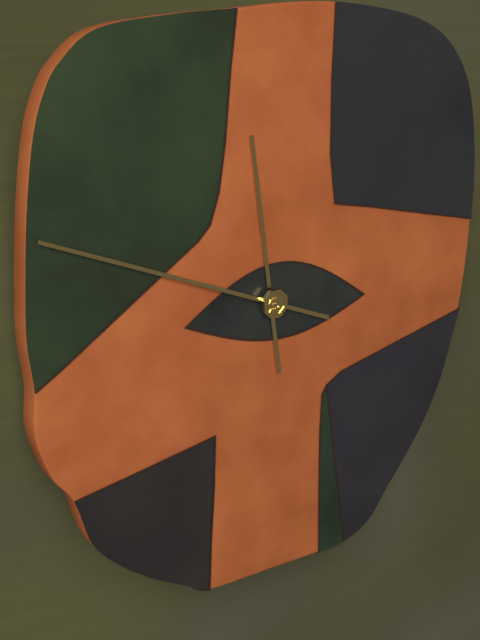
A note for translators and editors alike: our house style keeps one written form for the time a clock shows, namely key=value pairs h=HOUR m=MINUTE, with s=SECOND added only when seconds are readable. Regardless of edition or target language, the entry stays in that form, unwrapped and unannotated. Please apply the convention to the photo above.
h=11 m=49
